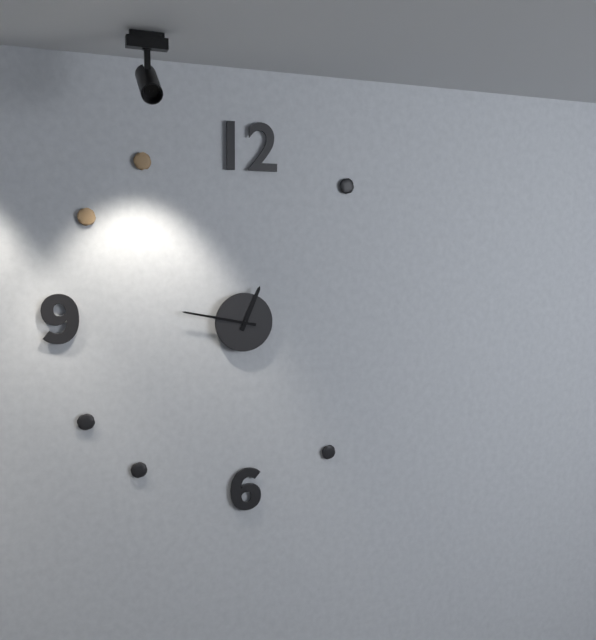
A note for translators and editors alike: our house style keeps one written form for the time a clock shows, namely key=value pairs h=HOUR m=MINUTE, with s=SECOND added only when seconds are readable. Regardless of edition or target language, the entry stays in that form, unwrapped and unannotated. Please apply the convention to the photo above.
h=12 m=47
